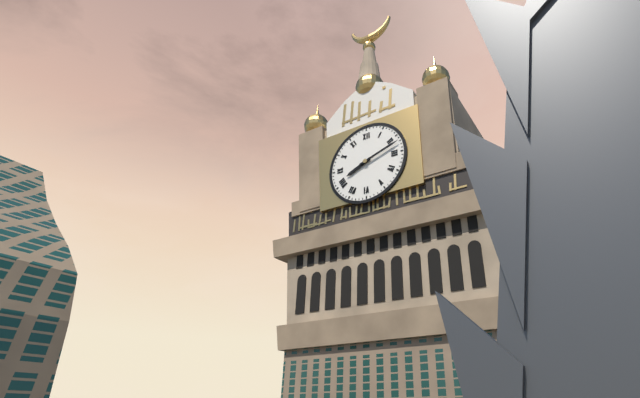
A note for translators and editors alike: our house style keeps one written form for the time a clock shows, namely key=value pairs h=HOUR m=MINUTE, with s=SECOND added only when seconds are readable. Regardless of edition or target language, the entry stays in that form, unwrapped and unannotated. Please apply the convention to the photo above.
h=8 m=12
